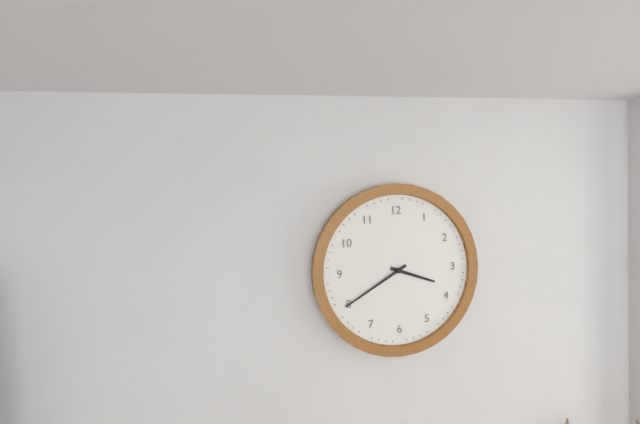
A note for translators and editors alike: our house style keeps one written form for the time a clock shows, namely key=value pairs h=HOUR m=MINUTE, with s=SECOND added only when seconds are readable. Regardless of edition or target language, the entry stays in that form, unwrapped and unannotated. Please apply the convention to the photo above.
h=3 m=40
